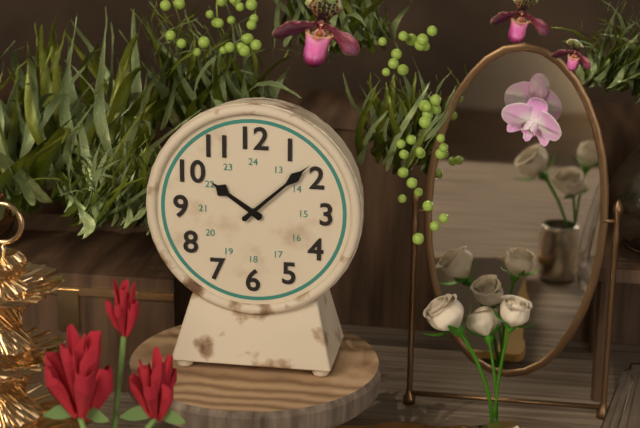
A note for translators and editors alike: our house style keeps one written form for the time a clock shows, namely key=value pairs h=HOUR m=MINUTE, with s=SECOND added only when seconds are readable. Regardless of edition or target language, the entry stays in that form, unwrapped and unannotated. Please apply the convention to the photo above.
h=10 m=8
